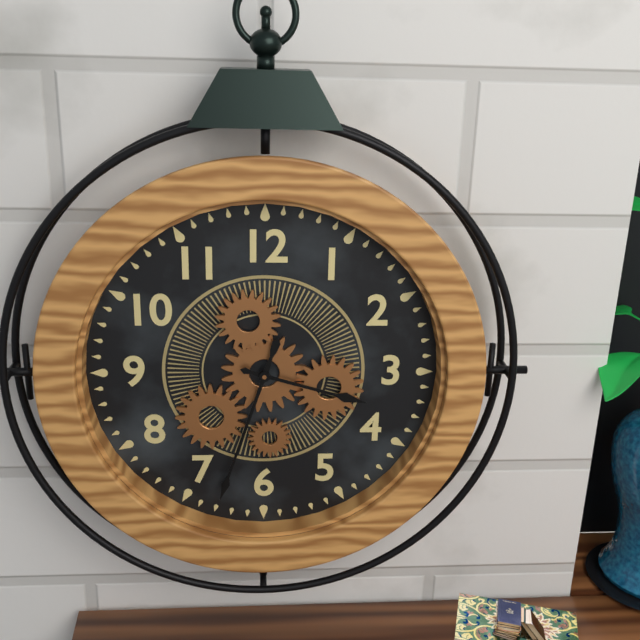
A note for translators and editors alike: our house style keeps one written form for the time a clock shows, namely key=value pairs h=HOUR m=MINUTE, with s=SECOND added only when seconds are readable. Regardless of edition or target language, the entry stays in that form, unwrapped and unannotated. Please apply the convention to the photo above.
h=3 m=33
